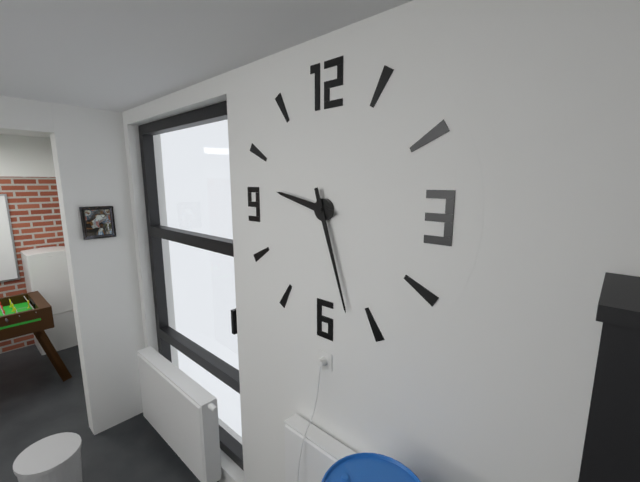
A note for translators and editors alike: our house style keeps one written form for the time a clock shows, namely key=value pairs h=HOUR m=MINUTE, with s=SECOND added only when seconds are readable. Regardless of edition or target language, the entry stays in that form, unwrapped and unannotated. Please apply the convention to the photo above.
h=9 m=27
